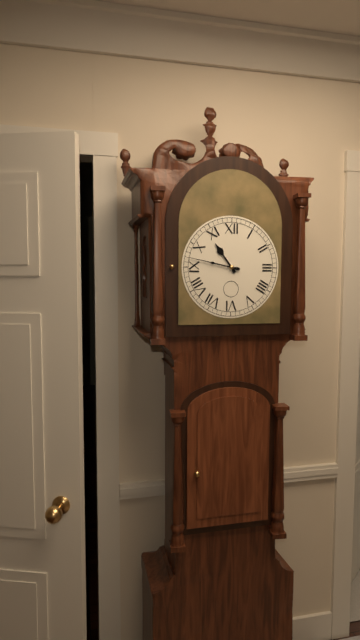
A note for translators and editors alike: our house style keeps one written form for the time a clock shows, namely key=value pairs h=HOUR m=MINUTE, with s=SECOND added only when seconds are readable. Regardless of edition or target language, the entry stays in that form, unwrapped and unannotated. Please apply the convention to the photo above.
h=10 m=47
